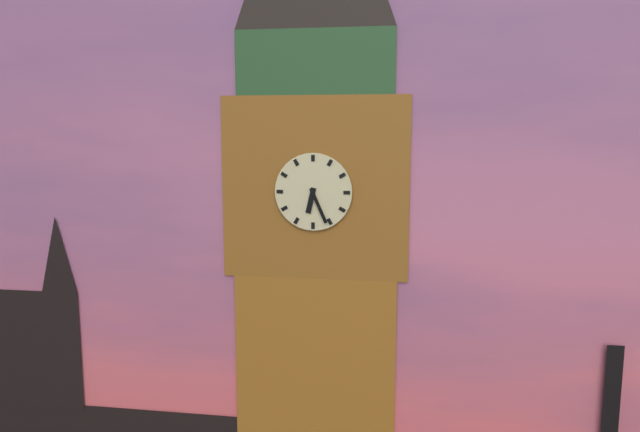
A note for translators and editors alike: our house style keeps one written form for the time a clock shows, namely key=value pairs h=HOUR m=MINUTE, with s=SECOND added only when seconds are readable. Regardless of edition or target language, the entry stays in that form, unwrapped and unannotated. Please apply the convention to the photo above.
h=6 m=26
